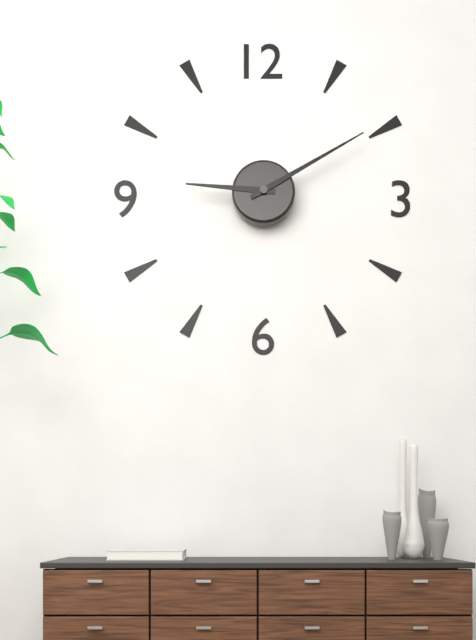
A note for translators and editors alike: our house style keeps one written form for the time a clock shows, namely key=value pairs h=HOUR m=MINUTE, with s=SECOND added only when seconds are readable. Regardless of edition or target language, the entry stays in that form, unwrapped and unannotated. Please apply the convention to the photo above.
h=9 m=10
